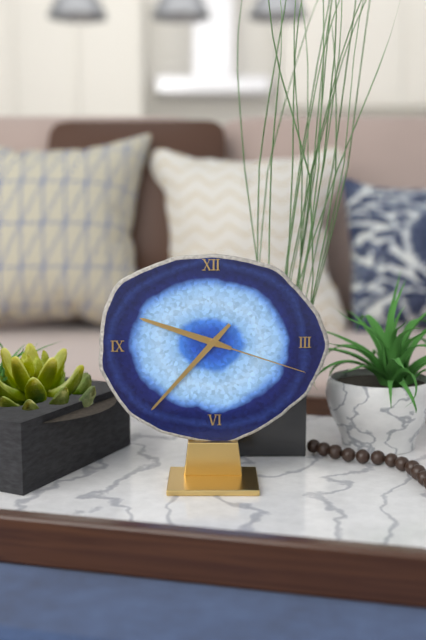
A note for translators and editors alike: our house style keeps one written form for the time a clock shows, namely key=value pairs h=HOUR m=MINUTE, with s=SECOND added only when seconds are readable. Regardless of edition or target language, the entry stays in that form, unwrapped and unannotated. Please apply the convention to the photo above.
h=9 m=37 s=18
